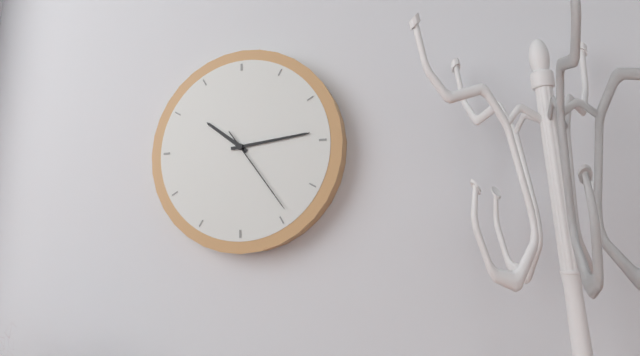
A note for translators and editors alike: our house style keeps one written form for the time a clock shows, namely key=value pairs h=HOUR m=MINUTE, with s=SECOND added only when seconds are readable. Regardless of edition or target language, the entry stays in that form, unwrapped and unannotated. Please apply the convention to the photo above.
h=10 m=14 s=24
